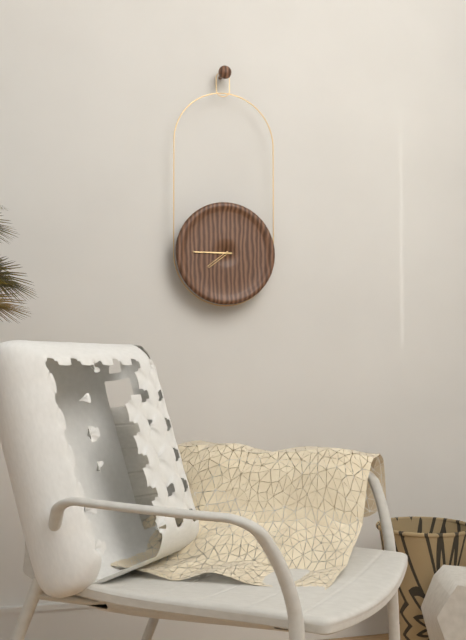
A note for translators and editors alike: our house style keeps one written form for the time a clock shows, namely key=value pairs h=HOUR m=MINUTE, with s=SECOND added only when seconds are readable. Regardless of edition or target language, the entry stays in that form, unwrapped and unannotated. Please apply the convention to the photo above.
h=7 m=45
